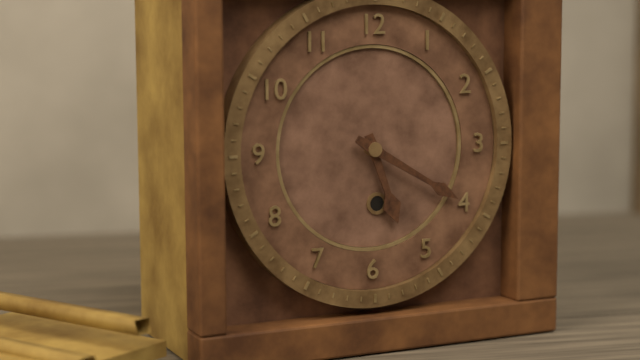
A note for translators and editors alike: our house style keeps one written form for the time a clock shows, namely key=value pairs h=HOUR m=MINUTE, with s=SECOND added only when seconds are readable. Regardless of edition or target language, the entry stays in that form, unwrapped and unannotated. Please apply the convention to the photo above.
h=5 m=20
